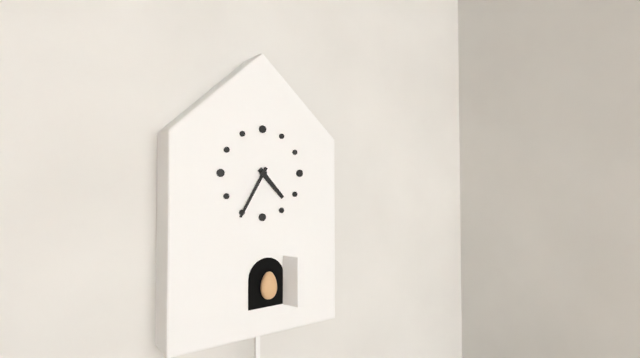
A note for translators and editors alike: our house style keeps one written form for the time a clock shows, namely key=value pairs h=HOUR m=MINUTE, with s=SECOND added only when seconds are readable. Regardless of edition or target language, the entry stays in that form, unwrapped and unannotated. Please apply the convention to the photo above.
h=4 m=35
